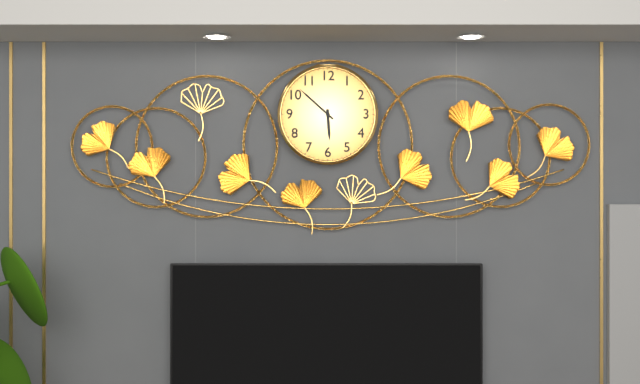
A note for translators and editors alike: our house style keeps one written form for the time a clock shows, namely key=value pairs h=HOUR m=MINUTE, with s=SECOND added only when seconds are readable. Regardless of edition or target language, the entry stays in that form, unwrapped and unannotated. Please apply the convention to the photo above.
h=5 m=52
